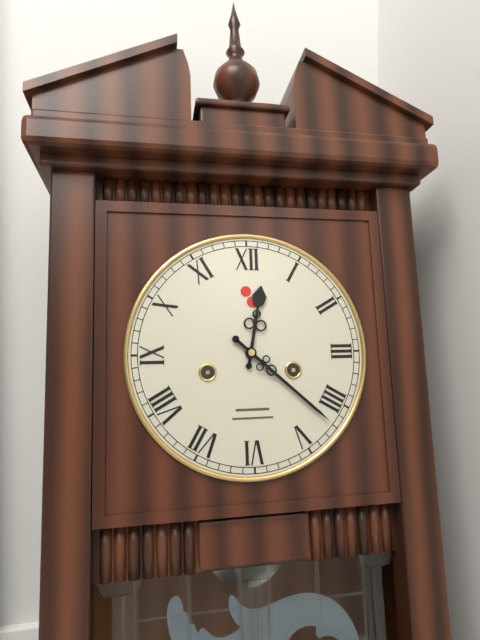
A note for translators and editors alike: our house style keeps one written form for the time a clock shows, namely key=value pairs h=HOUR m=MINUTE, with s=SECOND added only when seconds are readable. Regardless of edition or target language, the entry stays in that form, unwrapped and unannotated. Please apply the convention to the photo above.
h=12 m=22
